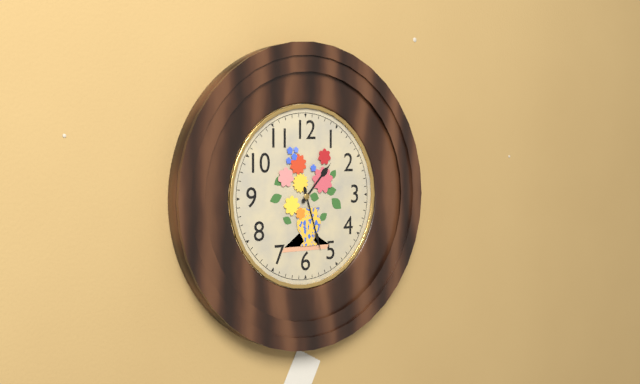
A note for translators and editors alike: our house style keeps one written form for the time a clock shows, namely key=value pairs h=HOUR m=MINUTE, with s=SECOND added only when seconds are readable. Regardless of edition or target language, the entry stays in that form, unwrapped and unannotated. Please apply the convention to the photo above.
h=1 m=27
